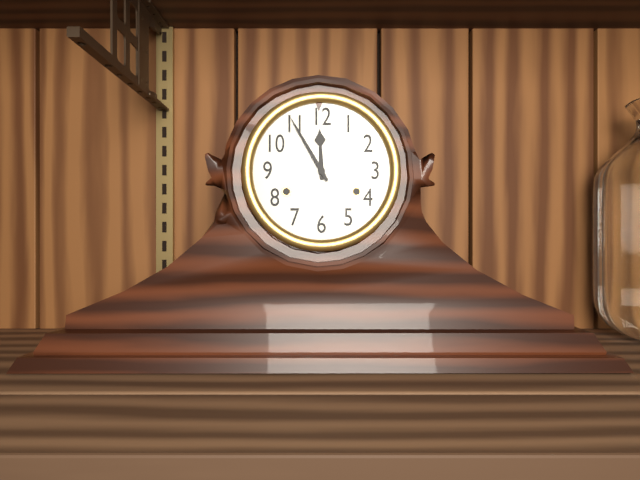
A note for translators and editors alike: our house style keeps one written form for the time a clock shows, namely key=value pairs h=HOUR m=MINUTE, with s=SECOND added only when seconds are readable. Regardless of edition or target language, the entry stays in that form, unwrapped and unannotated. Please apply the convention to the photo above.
h=11 m=55
